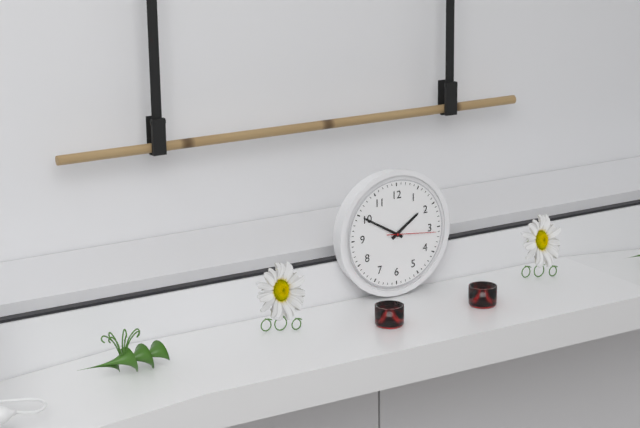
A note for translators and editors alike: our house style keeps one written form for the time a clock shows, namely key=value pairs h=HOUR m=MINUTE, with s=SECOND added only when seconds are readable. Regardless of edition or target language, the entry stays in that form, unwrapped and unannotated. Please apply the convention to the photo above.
h=1 m=50 s=16
